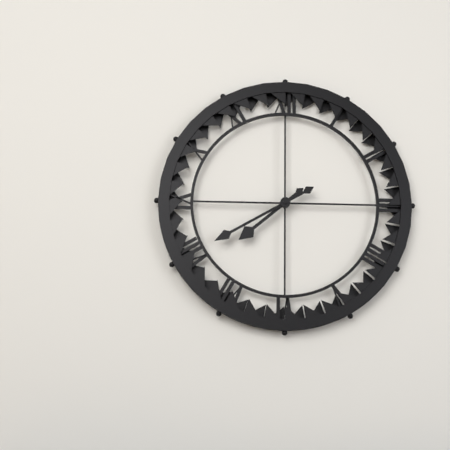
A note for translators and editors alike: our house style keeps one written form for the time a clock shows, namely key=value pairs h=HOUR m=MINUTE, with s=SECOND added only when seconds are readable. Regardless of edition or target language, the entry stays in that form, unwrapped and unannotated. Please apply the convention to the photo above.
h=7 m=40
